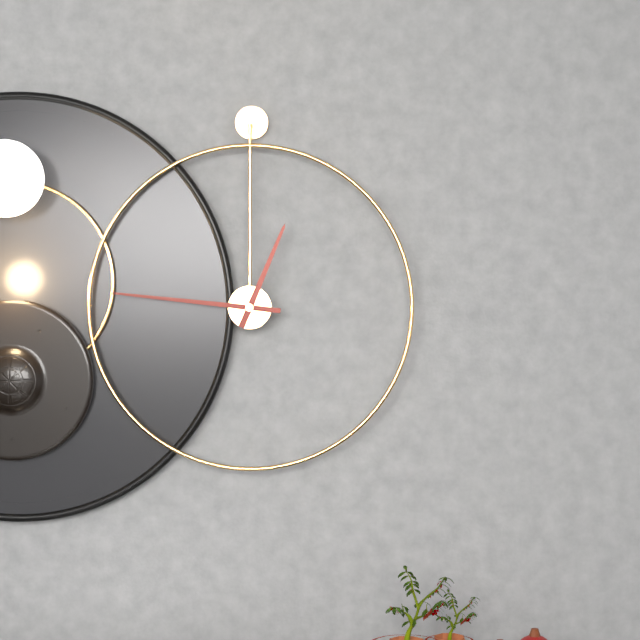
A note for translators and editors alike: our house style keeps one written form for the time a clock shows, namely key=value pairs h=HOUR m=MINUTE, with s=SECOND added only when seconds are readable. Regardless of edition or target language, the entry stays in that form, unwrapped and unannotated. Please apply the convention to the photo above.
h=12 m=46
